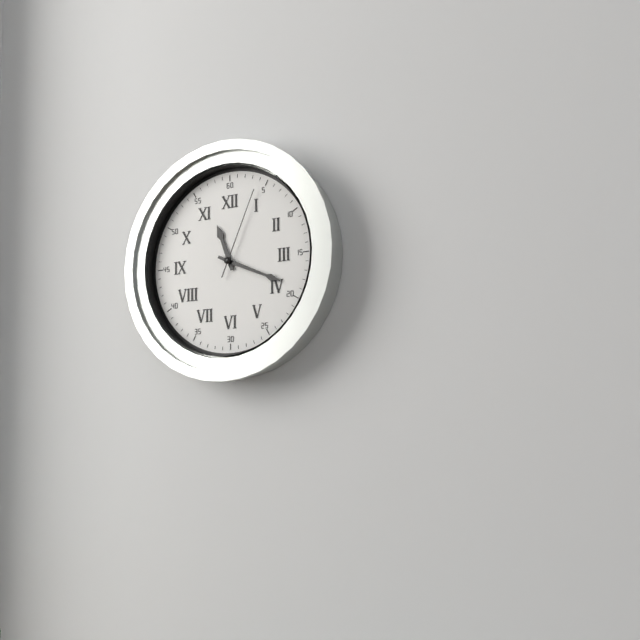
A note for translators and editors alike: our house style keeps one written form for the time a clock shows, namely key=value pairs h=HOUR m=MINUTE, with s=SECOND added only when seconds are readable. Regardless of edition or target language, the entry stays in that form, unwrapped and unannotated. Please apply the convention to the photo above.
h=11 m=19 s=4
